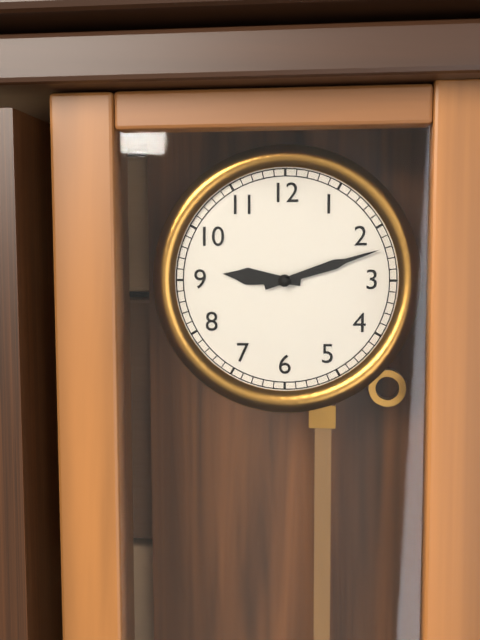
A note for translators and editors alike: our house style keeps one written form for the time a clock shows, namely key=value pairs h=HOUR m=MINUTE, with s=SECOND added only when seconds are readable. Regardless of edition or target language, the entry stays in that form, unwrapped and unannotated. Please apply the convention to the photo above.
h=9 m=12
